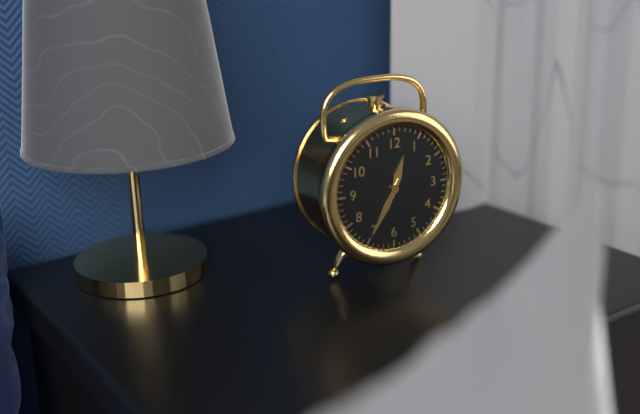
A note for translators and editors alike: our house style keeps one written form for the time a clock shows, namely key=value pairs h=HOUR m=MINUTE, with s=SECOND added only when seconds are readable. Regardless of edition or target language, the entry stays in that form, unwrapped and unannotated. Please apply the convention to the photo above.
h=12 m=35
